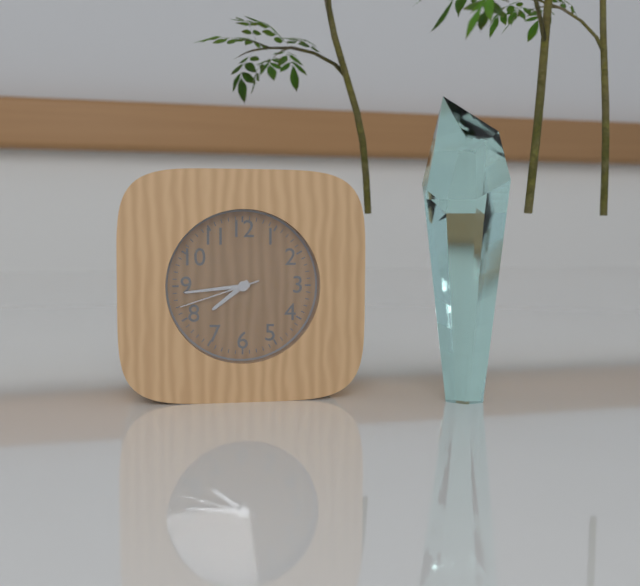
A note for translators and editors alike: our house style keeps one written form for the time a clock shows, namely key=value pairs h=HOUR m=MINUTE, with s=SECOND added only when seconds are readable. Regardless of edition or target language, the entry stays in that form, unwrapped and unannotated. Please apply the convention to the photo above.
h=7 m=44 s=42
